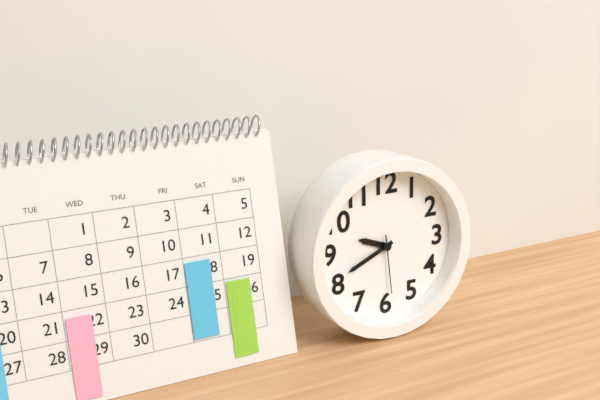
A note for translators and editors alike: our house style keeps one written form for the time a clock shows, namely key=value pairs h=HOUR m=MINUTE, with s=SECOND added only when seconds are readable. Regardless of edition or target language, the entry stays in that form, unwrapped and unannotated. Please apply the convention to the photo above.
h=9 m=41 s=29
